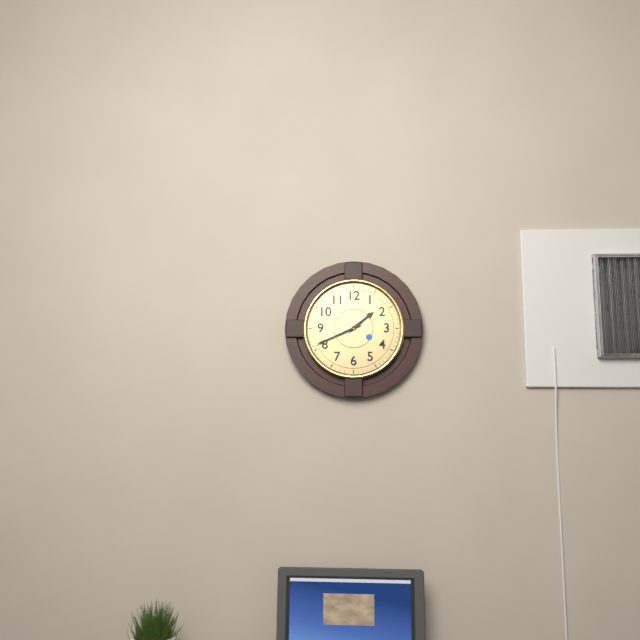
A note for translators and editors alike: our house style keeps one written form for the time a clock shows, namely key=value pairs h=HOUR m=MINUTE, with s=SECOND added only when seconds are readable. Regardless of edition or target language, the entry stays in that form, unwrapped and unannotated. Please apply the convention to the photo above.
h=1 m=41
